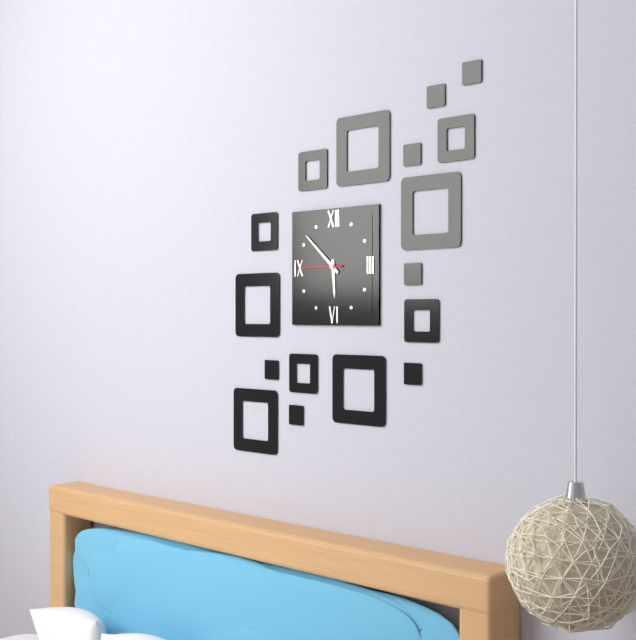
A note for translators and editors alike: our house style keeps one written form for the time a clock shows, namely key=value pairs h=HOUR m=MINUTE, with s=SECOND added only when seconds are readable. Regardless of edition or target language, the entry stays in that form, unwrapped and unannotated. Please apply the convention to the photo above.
h=5 m=52
